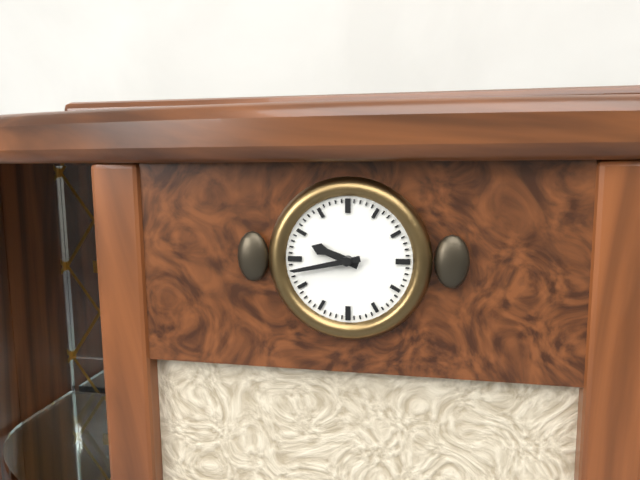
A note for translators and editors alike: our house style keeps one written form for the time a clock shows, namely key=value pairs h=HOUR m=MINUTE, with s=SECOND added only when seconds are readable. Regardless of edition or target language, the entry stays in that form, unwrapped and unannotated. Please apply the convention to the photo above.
h=9 m=43
